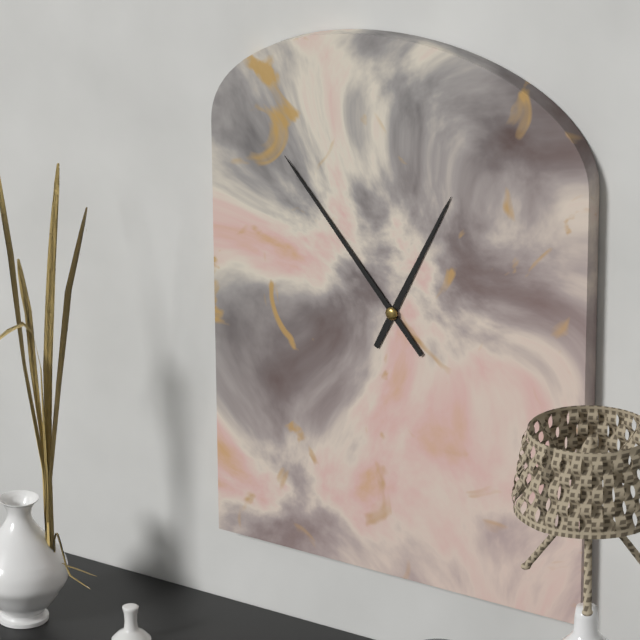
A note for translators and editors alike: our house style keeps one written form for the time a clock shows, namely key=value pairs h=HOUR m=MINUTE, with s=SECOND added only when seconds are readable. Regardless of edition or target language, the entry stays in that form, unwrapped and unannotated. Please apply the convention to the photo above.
h=12 m=53
